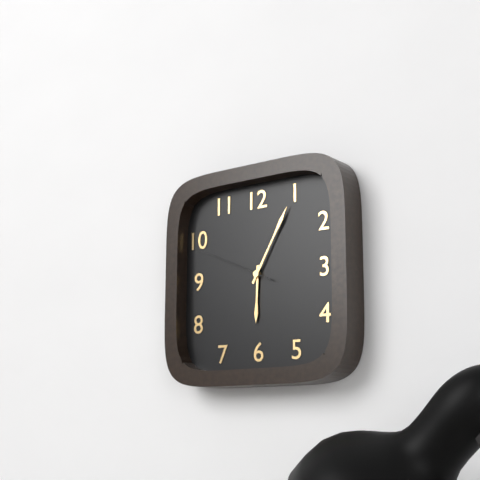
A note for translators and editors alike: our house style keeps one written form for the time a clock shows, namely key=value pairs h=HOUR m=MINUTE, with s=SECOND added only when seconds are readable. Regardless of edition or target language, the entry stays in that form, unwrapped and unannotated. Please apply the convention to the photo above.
h=6 m=5 s=49
